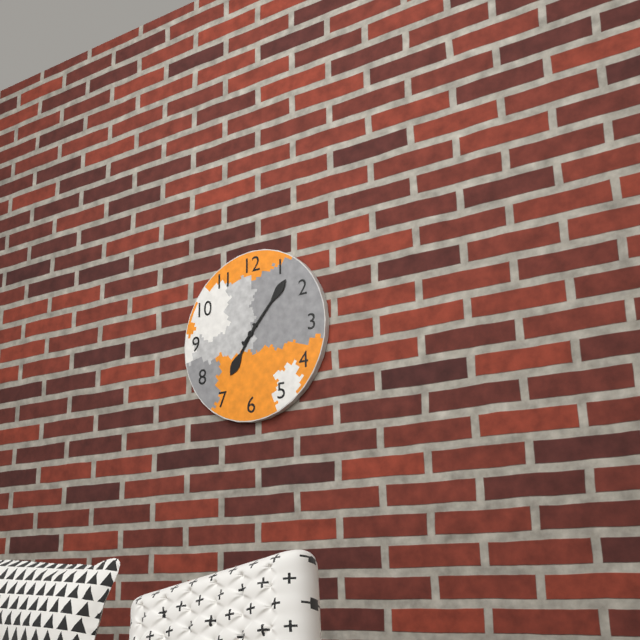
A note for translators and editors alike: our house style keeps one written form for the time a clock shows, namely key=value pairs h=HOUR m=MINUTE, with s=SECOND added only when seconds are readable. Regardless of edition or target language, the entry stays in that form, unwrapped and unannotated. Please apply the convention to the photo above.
h=7 m=7
